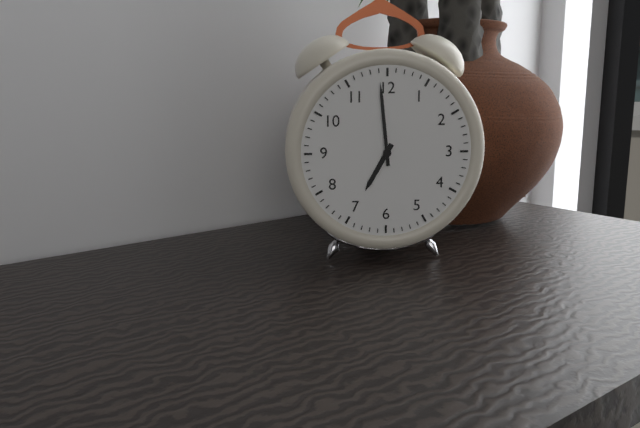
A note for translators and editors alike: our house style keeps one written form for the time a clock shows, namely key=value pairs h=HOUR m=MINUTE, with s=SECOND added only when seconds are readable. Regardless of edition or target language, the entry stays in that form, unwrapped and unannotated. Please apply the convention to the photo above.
h=6 m=59
